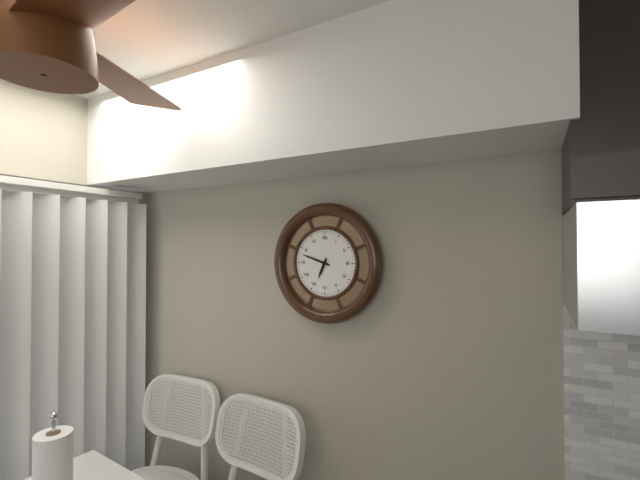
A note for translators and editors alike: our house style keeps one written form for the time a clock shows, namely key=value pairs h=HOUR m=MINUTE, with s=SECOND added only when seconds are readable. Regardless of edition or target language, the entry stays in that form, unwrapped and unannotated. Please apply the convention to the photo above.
h=6 m=48
